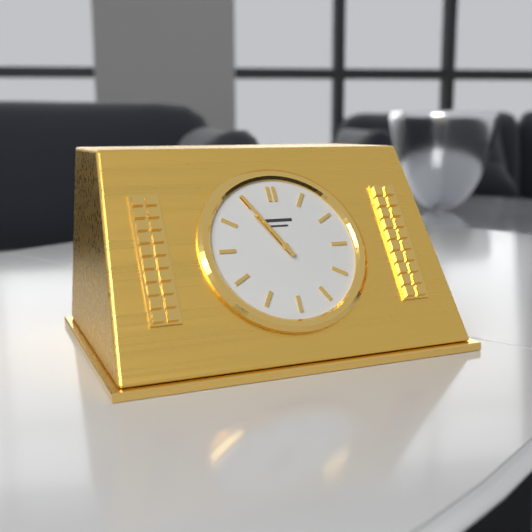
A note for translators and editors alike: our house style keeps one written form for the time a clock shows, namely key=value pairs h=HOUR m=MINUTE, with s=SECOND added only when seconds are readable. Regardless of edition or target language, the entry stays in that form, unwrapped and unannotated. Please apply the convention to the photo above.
h=10 m=55
